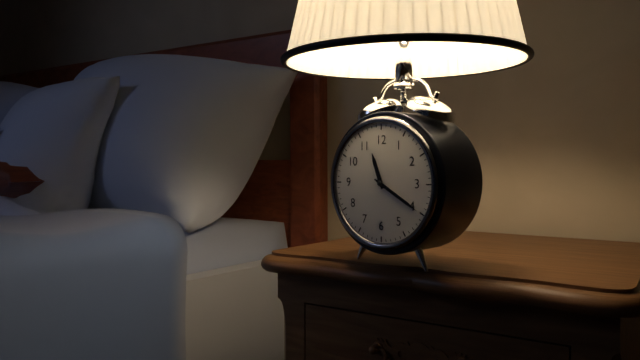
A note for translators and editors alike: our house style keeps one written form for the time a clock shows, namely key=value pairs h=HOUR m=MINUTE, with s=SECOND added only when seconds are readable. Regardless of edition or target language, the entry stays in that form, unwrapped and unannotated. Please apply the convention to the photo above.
h=11 m=20
